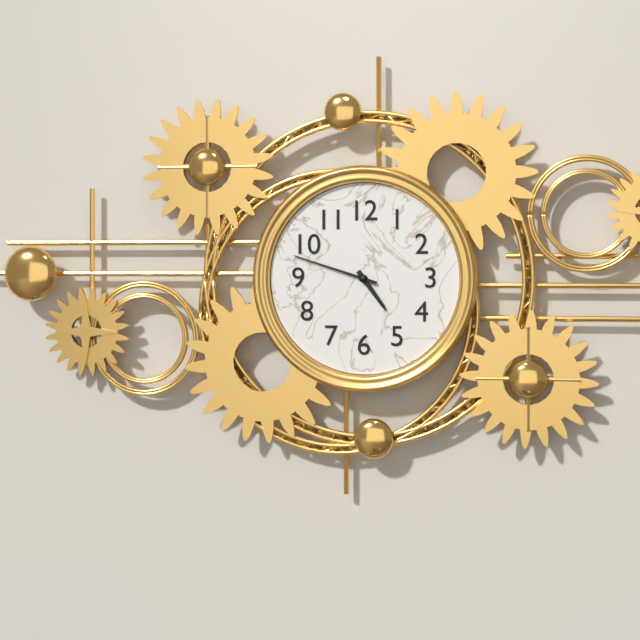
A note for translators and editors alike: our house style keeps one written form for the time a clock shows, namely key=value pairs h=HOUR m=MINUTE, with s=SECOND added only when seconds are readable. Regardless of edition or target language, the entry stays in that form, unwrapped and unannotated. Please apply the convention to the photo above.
h=4 m=48
